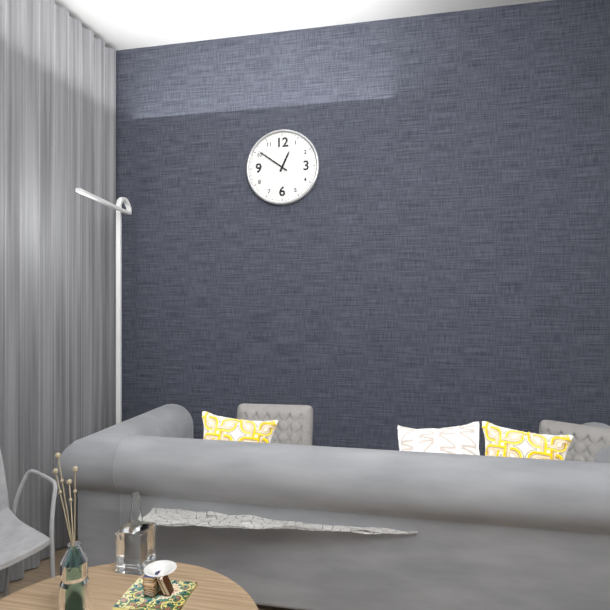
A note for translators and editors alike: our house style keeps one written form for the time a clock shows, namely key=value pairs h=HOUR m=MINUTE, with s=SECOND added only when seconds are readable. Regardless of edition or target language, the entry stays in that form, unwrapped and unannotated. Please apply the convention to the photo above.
h=12 m=51
